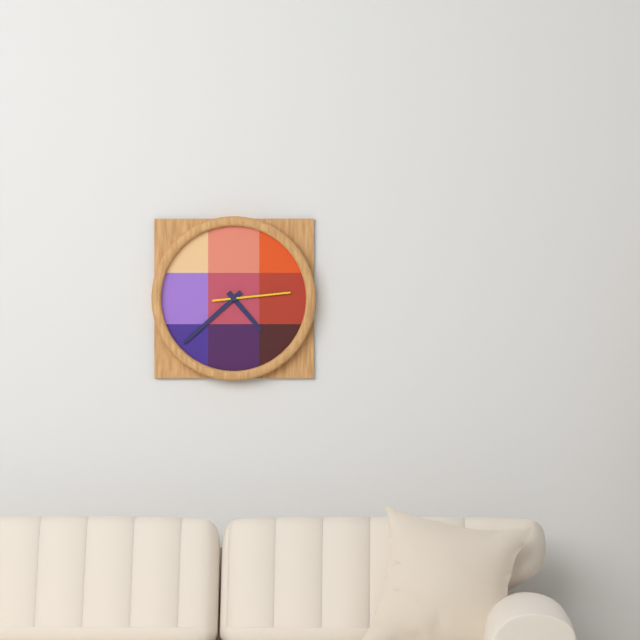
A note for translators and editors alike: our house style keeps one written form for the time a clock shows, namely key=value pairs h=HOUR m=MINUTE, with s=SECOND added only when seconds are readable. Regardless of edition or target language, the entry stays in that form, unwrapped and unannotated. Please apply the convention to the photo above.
h=4 m=38 s=14
